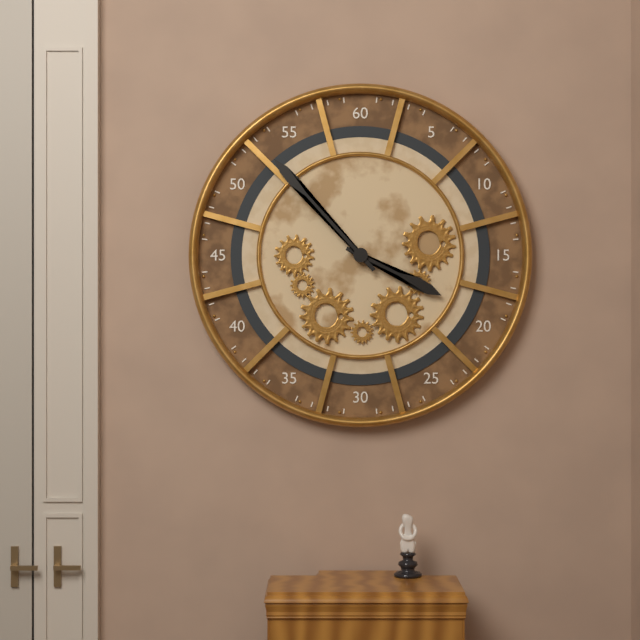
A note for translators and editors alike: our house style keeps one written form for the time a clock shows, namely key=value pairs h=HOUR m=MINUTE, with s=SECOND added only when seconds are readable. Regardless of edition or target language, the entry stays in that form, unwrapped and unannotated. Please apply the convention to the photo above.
h=3 m=53
